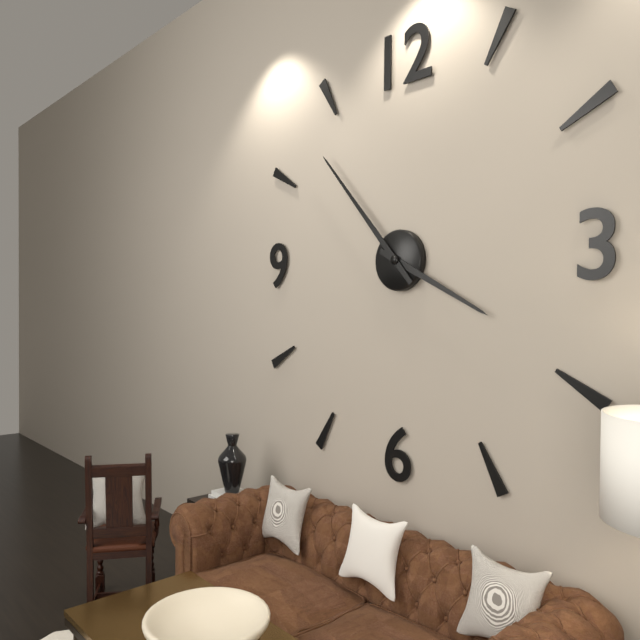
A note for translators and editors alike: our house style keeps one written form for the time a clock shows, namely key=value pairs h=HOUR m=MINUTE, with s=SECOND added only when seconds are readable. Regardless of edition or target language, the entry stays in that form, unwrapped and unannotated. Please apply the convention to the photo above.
h=3 m=53
